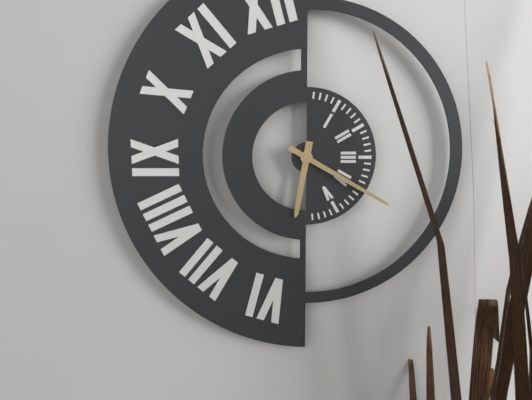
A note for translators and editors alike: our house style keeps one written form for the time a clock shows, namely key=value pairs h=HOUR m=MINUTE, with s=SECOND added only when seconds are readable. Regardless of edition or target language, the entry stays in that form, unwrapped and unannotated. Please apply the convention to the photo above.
h=6 m=20
